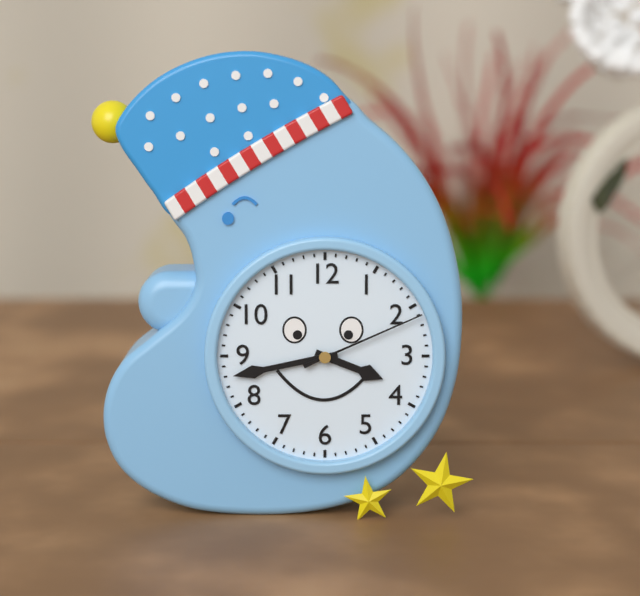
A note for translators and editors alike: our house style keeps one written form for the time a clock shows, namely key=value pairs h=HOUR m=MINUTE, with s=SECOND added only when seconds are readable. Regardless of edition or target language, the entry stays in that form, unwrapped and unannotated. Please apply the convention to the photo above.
h=3 m=43 s=11
